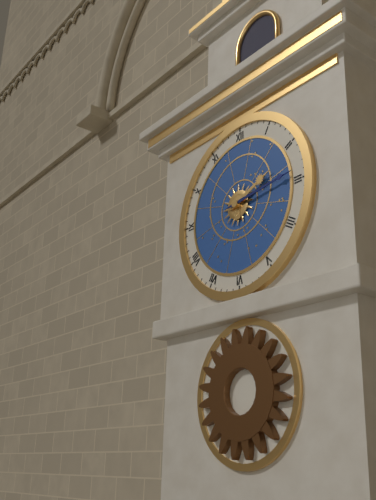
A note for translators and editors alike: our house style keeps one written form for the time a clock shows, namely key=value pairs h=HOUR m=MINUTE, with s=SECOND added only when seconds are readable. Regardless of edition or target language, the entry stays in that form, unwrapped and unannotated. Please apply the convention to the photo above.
h=2 m=14
